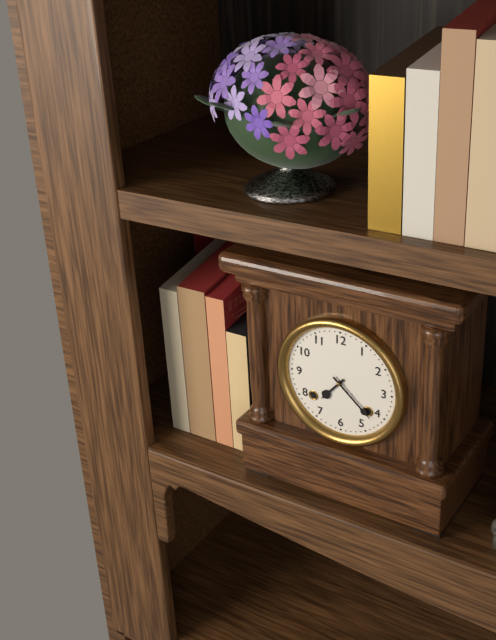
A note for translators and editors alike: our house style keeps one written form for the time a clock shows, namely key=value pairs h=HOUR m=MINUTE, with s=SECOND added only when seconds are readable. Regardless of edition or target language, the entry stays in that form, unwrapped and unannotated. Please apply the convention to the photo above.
h=7 m=22
